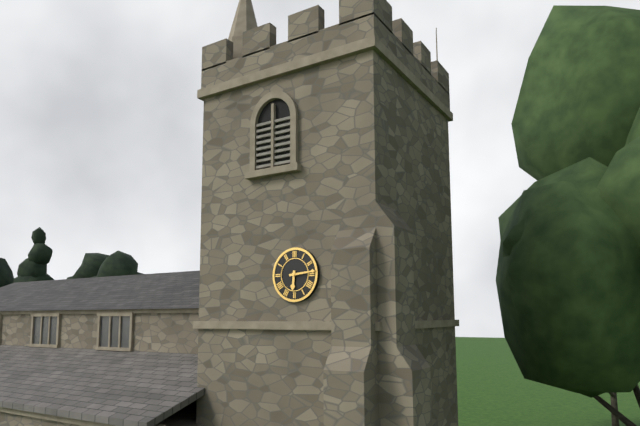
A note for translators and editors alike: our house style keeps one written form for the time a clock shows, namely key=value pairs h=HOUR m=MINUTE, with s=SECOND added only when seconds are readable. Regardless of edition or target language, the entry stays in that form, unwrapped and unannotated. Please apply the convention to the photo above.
h=6 m=14
